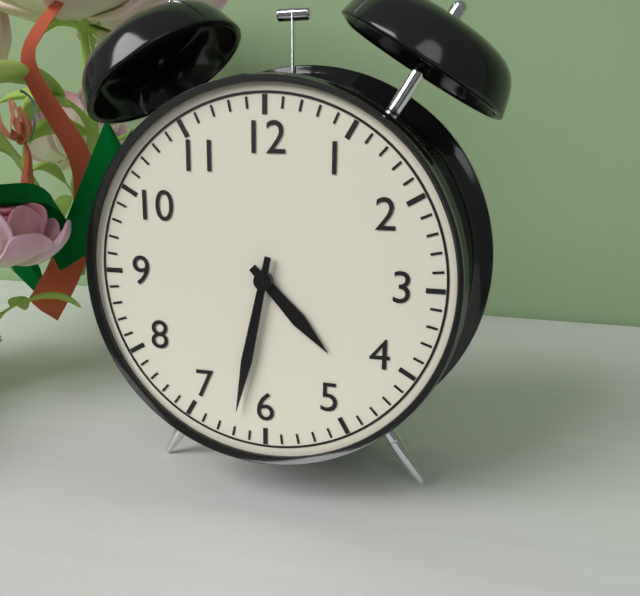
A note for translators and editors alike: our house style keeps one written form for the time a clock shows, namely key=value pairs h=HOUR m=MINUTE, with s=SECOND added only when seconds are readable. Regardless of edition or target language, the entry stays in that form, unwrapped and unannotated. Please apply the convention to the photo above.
h=4 m=32
